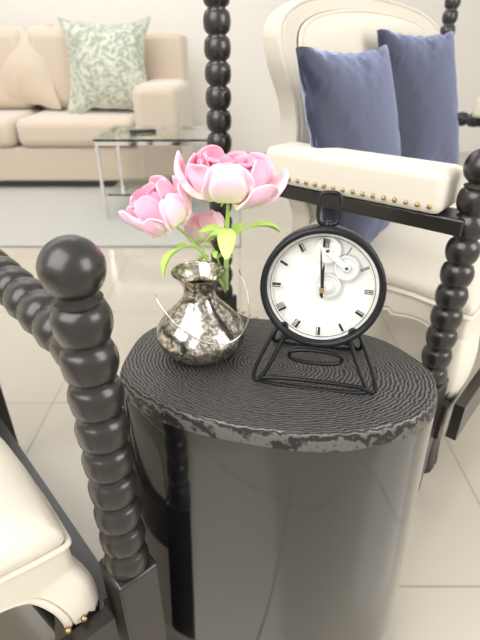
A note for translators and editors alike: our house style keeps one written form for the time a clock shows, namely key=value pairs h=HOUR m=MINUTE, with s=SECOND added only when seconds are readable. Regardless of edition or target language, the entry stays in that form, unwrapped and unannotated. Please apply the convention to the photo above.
h=11 m=59
